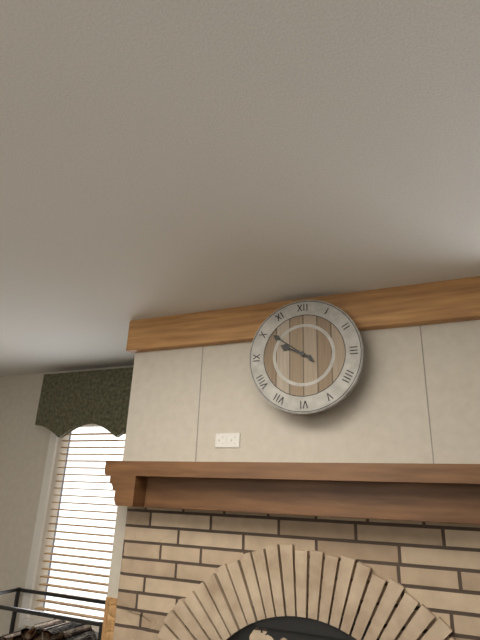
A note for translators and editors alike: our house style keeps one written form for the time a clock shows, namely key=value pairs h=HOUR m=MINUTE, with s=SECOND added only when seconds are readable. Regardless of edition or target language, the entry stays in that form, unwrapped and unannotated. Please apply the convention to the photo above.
h=9 m=51
